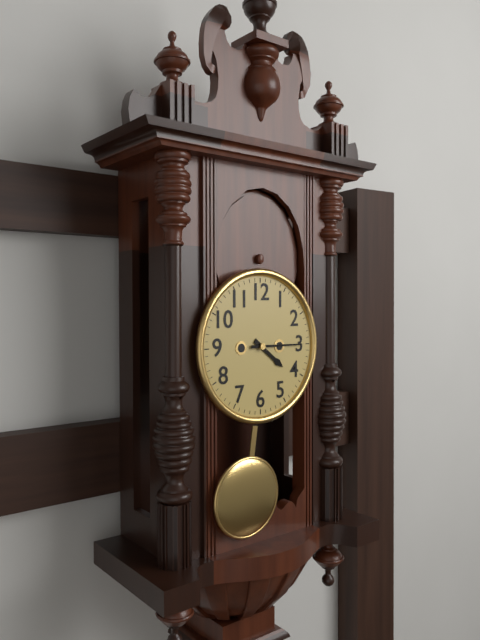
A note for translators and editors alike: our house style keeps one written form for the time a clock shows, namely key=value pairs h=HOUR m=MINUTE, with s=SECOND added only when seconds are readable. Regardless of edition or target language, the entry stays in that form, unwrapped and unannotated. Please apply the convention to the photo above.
h=4 m=15
